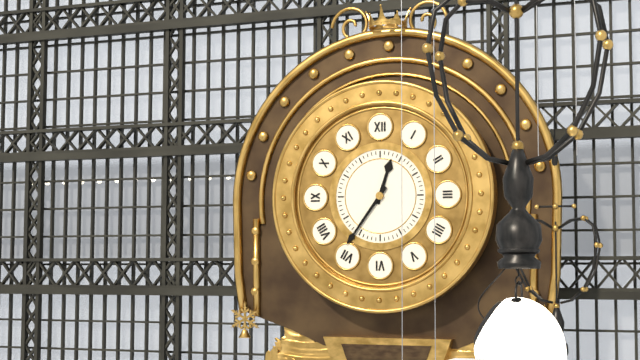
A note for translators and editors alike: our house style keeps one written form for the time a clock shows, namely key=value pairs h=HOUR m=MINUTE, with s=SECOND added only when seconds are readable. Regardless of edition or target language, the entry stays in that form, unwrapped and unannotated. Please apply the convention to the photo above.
h=12 m=36
